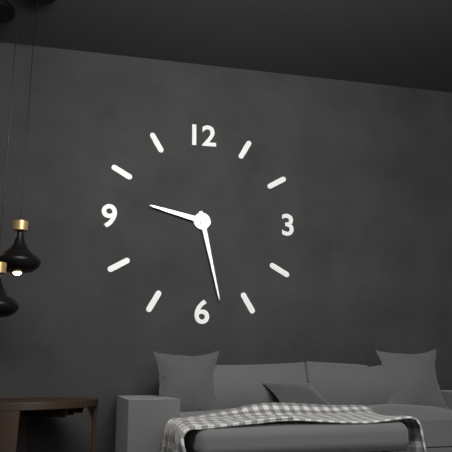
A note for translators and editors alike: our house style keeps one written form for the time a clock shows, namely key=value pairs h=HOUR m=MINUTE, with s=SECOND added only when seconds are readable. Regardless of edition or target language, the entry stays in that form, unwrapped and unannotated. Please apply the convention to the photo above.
h=9 m=28
